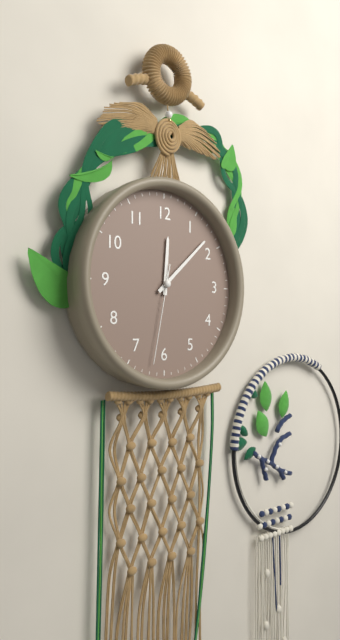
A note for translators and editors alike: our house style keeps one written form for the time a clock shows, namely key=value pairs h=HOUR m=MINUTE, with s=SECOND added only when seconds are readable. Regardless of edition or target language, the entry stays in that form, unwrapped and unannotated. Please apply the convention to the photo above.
h=12 m=8 s=32
